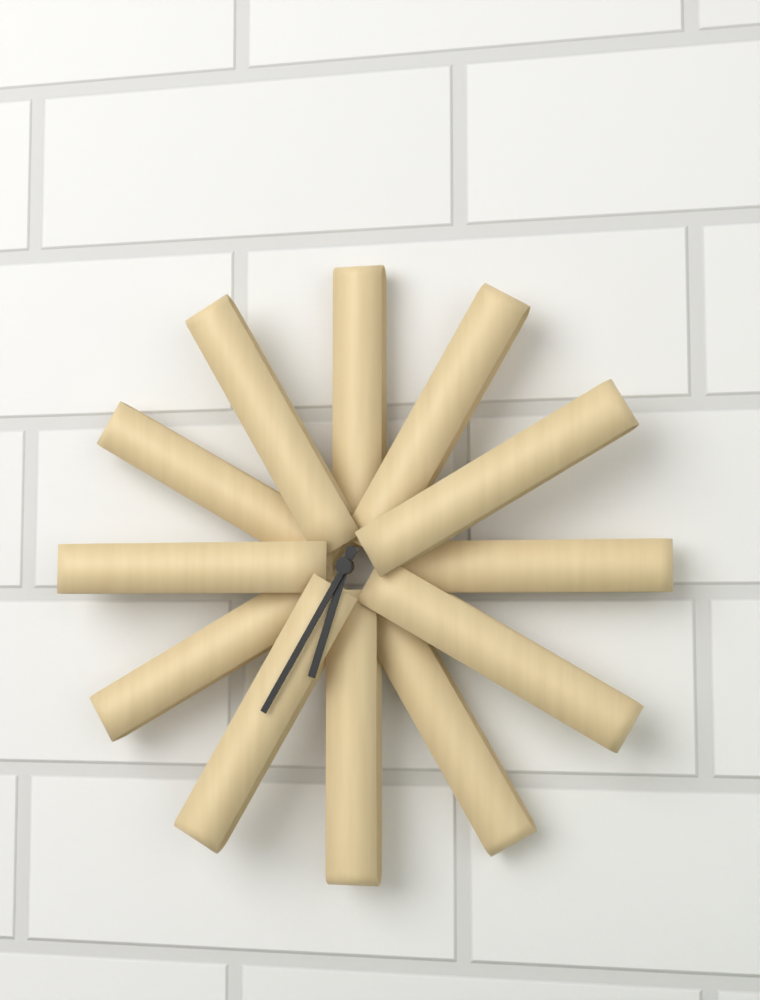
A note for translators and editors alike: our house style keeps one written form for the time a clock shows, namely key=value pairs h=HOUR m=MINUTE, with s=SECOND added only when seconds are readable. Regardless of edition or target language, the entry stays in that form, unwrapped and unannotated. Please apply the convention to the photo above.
h=6 m=35
